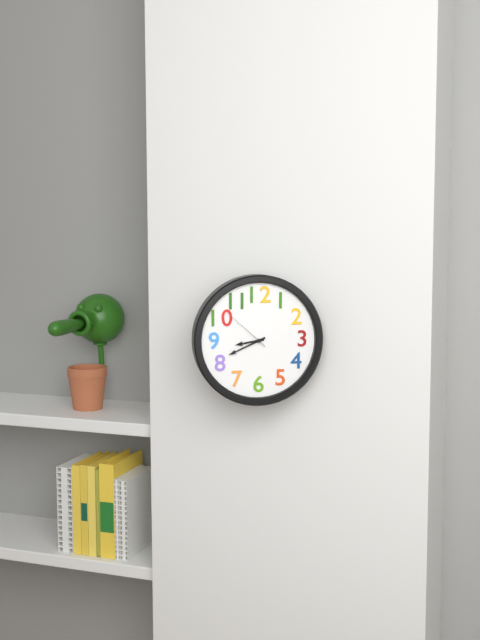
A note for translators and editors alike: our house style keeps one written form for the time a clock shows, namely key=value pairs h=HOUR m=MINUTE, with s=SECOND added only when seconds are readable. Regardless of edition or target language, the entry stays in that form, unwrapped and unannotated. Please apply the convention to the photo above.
h=8 m=41 s=52
